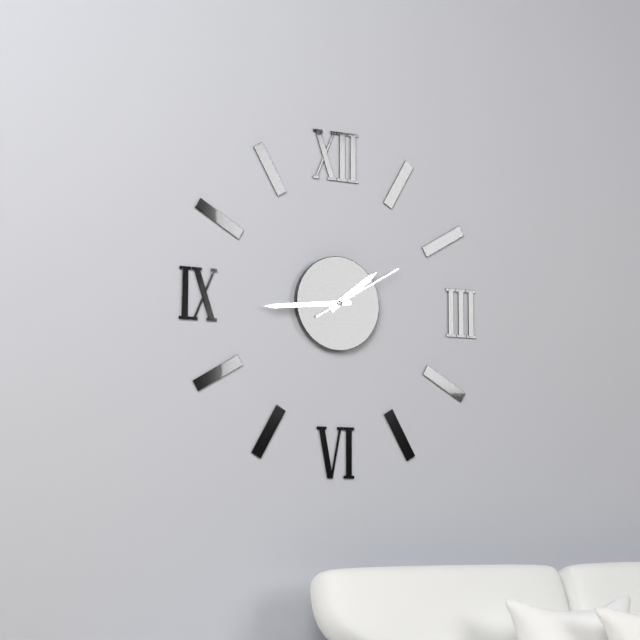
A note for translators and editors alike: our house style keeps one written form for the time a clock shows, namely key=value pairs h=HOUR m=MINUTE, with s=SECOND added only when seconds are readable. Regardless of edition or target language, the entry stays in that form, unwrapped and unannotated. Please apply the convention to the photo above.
h=1 m=44 s=10
